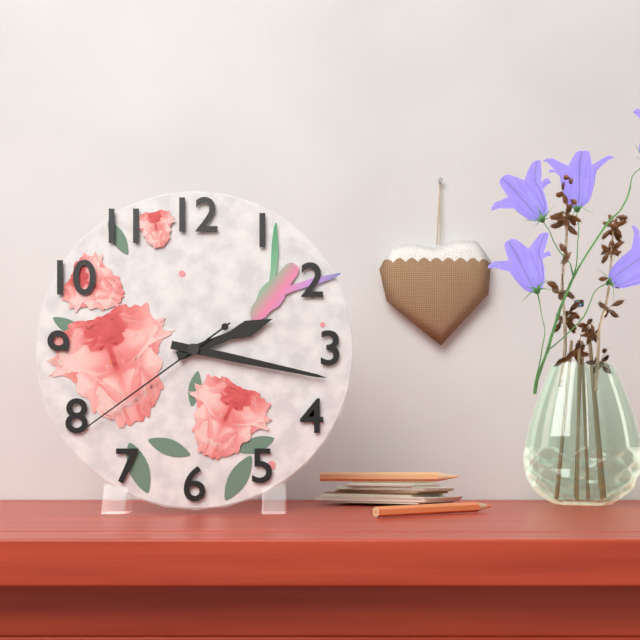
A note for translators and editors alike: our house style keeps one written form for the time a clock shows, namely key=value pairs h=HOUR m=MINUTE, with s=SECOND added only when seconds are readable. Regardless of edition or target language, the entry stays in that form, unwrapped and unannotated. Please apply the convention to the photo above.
h=2 m=17 s=39
